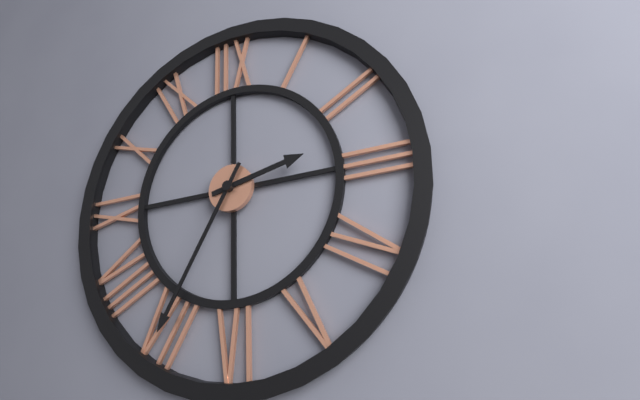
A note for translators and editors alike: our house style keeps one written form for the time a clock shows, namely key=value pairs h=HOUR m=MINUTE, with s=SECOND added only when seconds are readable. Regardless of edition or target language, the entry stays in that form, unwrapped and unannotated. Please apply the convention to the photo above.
h=2 m=35
